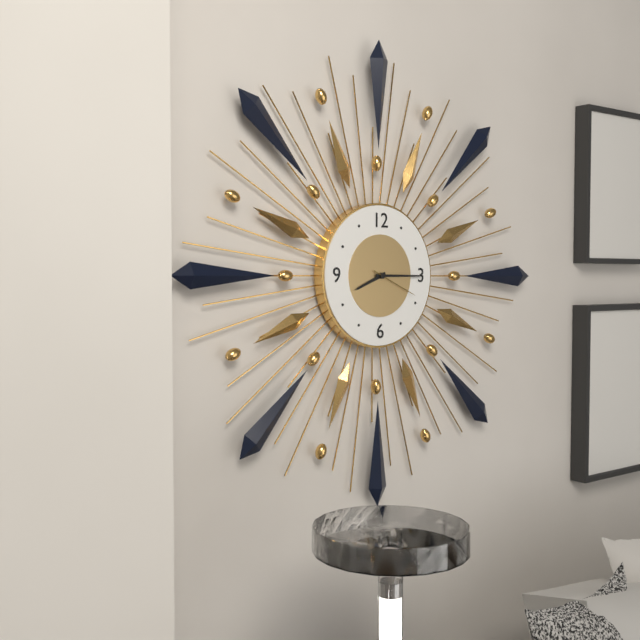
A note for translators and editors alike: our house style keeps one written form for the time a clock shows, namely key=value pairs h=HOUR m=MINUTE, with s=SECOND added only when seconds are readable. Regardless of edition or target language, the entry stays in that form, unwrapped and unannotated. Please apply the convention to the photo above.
h=8 m=15
